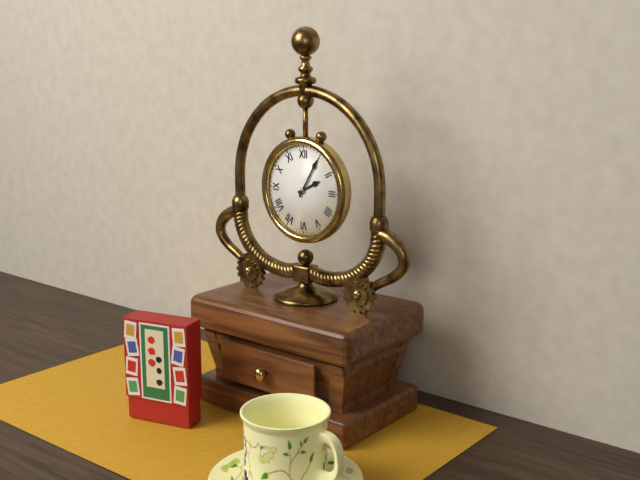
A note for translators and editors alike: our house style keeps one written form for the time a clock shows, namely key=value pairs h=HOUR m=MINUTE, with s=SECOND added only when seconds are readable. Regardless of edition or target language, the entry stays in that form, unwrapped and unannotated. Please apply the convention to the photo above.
h=2 m=5
